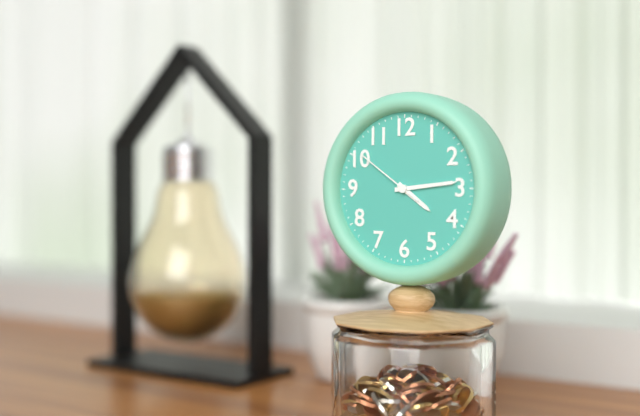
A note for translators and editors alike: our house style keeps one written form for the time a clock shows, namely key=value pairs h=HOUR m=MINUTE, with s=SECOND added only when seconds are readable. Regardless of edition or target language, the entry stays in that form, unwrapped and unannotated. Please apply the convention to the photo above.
h=4 m=14 s=51
